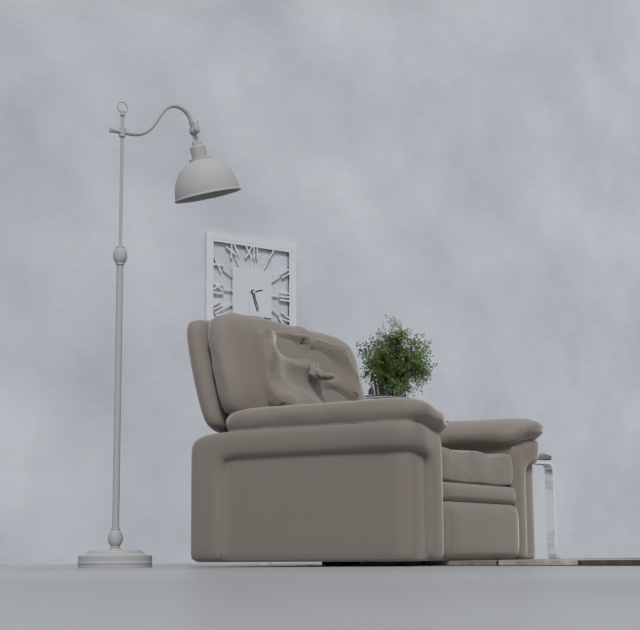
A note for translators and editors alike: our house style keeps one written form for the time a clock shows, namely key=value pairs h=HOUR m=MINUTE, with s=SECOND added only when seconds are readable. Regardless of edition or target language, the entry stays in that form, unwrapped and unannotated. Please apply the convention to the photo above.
h=2 m=27
